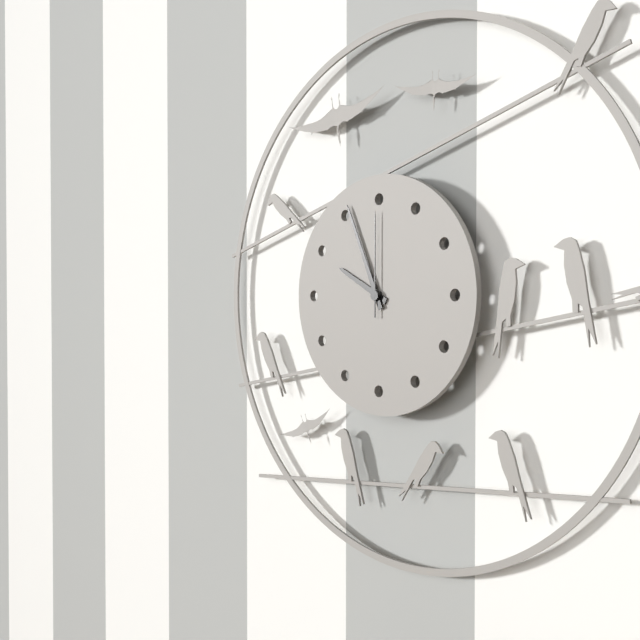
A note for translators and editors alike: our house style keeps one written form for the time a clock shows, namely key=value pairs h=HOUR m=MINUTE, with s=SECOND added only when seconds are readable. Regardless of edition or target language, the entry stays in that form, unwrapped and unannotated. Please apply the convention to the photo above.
h=9 m=56 s=0
